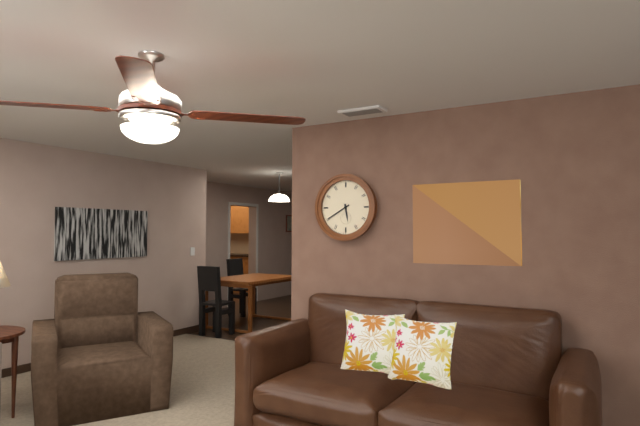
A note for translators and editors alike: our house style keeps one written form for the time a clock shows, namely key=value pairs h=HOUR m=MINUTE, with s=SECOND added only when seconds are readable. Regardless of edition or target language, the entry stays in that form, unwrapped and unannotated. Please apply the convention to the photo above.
h=5 m=40
